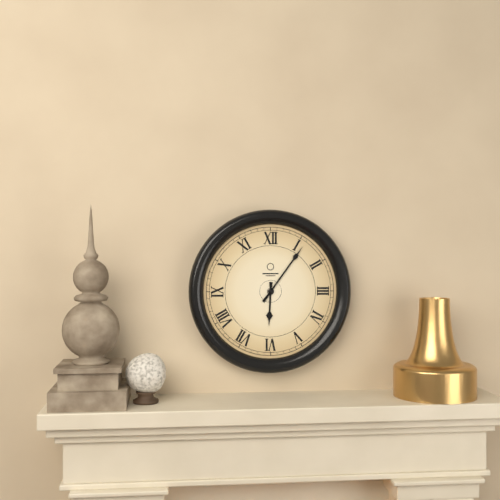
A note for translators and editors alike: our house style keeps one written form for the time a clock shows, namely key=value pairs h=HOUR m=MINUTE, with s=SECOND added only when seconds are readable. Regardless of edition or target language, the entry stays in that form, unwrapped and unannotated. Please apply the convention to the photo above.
h=6 m=6
